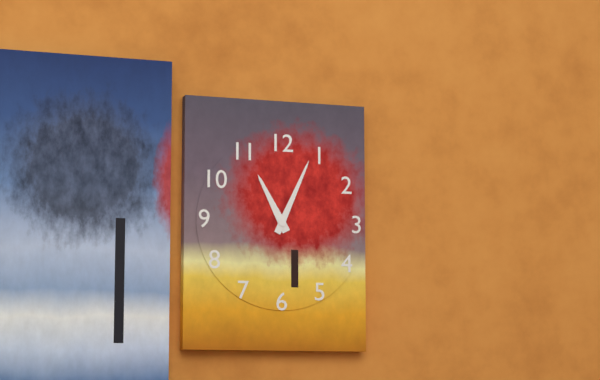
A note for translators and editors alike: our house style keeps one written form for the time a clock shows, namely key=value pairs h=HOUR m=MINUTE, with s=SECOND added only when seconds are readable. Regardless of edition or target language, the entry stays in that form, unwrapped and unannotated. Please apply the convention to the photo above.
h=11 m=4
